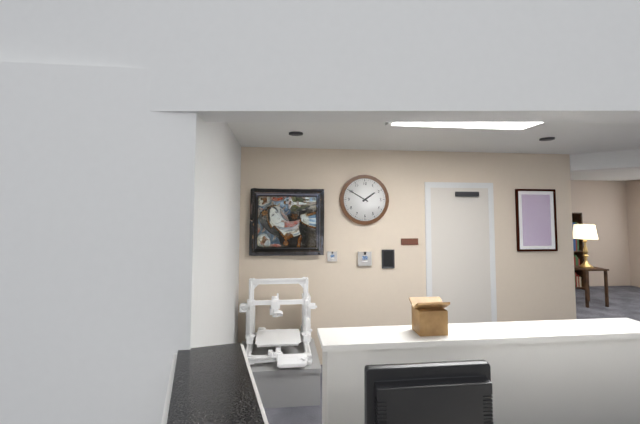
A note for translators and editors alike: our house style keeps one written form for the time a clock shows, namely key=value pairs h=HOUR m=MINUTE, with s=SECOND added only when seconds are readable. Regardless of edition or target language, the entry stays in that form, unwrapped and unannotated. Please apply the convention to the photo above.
h=1 m=50
